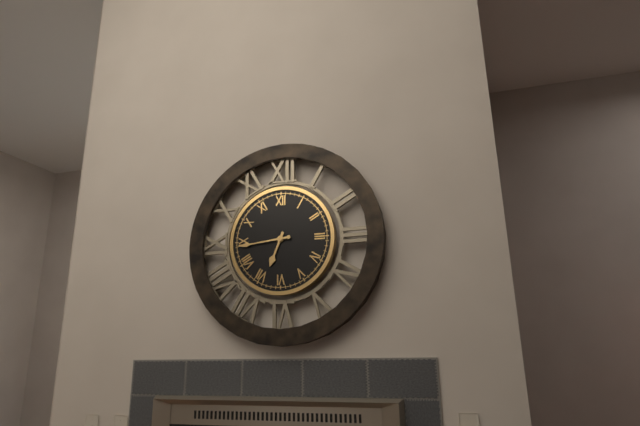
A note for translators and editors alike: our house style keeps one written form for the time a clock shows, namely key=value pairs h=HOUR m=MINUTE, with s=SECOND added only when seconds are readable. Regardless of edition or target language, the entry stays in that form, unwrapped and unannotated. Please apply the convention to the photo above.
h=6 m=44
